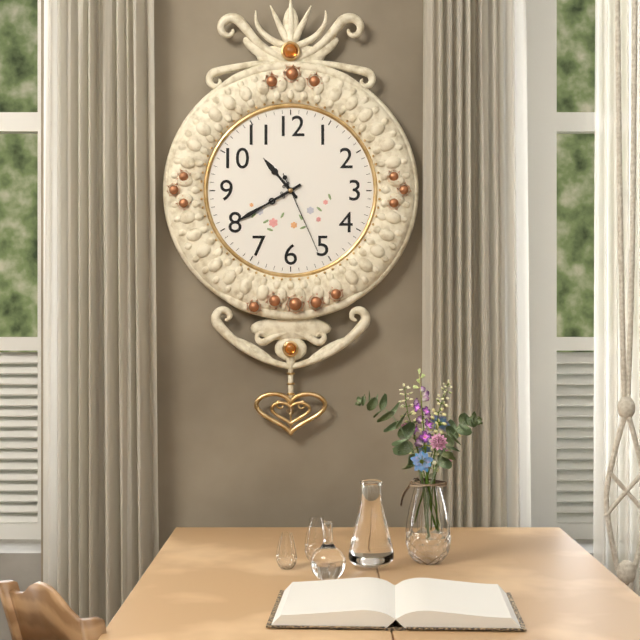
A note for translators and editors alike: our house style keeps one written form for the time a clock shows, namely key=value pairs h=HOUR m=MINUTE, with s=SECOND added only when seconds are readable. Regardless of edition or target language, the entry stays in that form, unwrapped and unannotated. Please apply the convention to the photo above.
h=10 m=40 s=26
